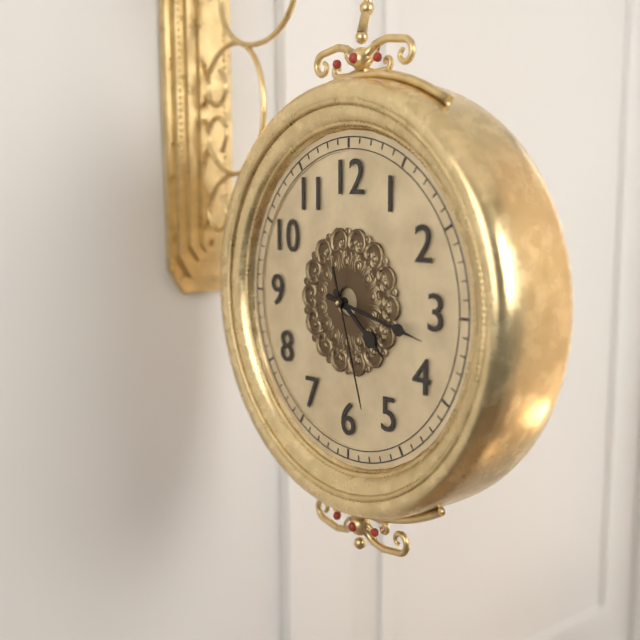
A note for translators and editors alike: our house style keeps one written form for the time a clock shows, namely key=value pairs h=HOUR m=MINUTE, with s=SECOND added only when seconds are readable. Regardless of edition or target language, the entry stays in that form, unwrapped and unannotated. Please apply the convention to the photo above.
h=4 m=17 s=27
